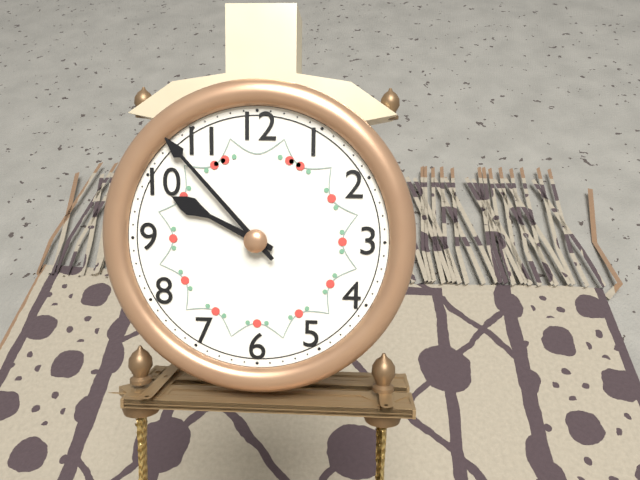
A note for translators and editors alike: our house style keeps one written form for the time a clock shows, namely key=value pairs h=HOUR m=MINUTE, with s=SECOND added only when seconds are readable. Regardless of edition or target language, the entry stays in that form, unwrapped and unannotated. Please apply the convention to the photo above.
h=9 m=53
